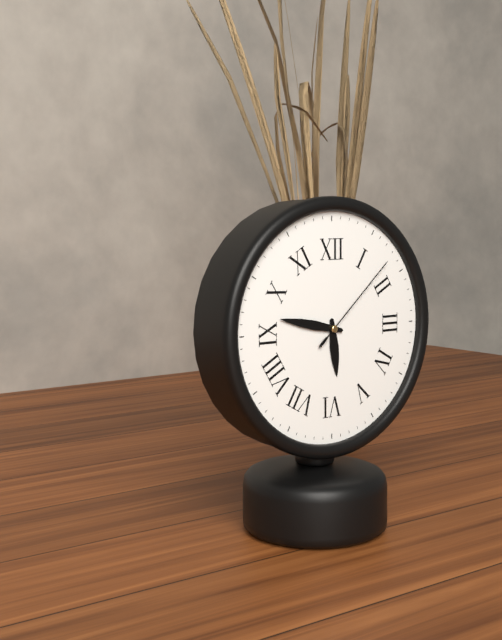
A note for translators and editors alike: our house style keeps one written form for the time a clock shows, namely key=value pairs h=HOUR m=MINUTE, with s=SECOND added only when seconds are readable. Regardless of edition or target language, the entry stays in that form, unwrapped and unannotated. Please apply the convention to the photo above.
h=5 m=47 s=8
